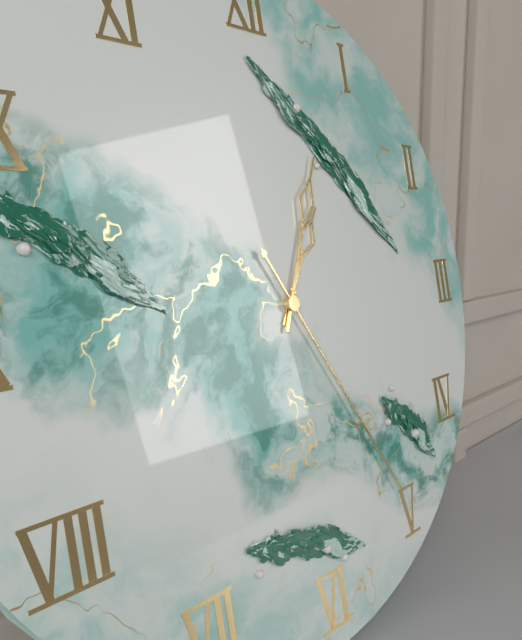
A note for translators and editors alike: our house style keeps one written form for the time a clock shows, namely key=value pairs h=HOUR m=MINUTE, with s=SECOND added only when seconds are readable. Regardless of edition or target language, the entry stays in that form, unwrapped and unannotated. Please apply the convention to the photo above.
h=1 m=4 s=25
